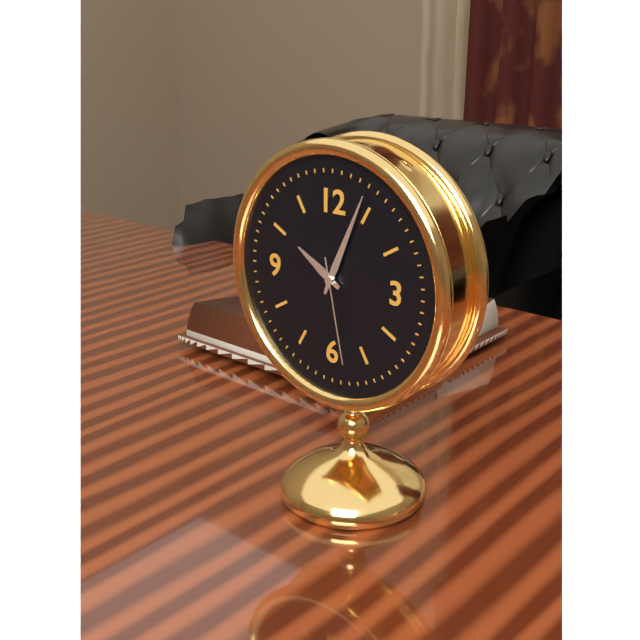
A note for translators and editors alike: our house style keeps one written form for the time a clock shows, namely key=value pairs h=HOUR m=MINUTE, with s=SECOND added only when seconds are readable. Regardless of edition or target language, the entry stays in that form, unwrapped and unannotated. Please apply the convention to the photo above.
h=10 m=4 s=28
